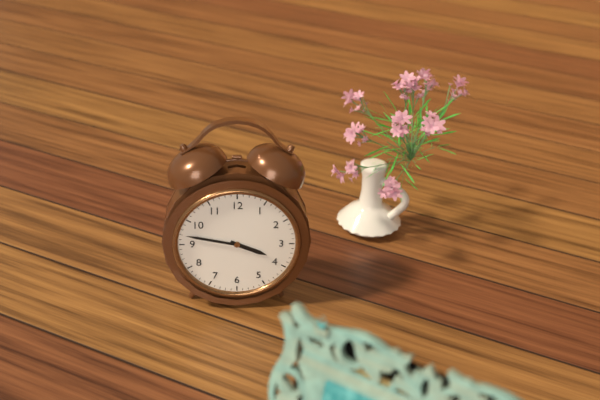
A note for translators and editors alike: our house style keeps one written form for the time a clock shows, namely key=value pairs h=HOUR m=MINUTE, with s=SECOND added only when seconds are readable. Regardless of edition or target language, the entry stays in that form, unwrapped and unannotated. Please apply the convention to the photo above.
h=3 m=47
